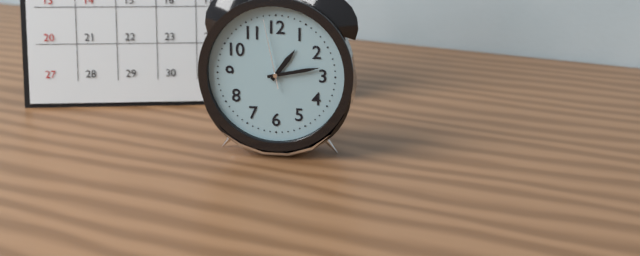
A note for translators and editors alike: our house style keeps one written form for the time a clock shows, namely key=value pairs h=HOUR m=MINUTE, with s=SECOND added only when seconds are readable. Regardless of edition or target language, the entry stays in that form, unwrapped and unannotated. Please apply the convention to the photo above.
h=1 m=13 s=58
